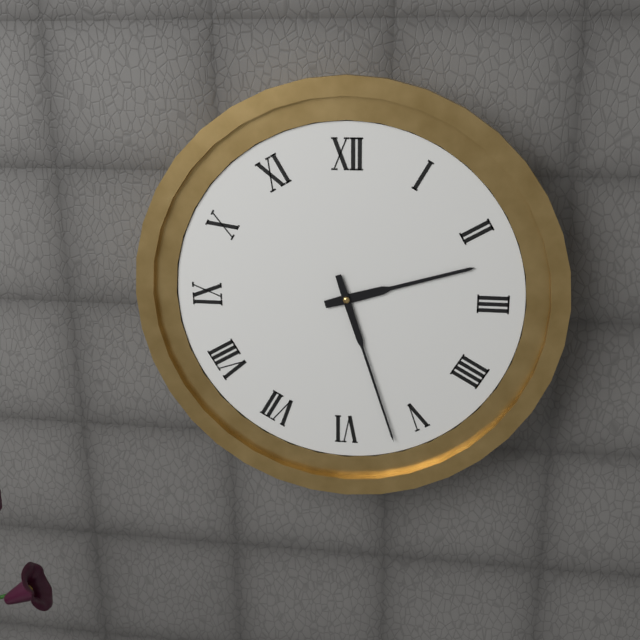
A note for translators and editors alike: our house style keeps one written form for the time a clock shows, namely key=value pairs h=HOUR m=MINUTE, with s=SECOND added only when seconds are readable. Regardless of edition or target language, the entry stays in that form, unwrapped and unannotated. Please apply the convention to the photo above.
h=2 m=27
